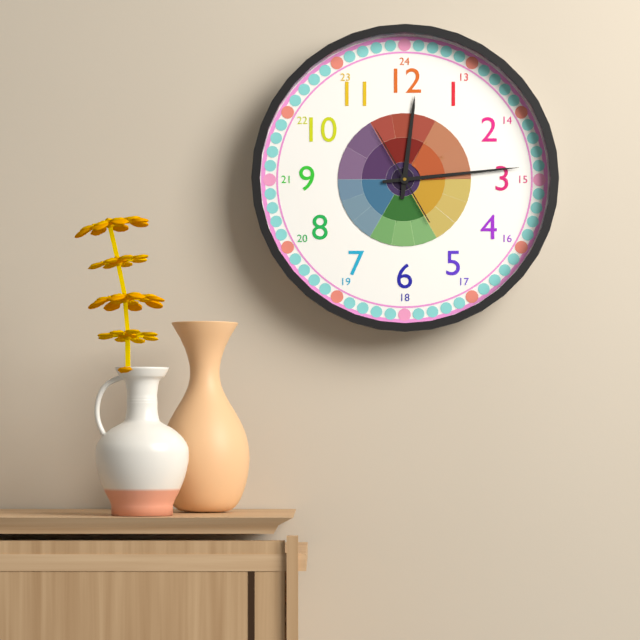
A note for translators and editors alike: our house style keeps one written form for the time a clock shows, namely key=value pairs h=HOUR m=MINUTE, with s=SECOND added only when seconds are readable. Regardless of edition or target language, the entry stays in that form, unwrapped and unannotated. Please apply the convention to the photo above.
h=12 m=14 s=55
